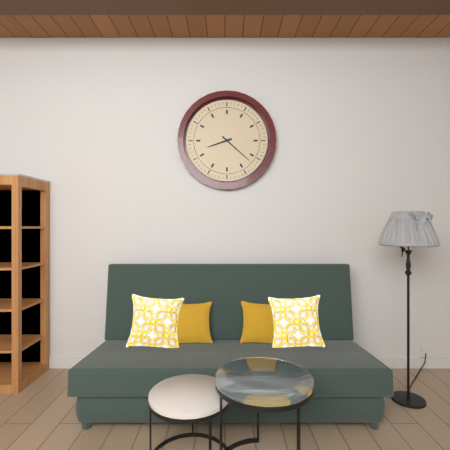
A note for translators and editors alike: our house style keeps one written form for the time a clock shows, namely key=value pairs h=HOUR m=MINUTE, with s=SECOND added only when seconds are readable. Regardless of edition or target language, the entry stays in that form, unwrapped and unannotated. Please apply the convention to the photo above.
h=8 m=22
